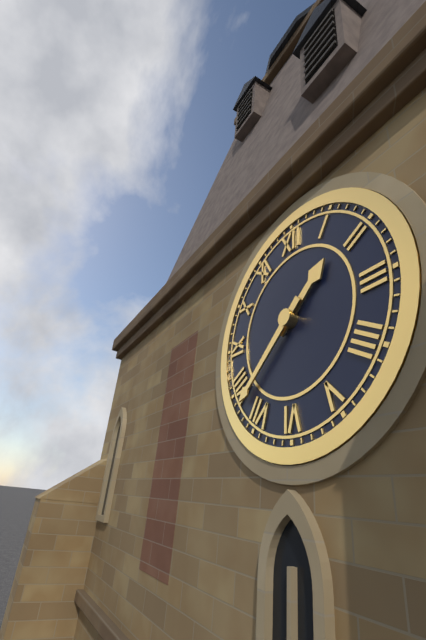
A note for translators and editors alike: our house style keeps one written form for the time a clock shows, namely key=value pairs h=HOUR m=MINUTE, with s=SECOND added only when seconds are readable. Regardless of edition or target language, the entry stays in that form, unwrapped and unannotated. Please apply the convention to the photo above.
h=1 m=38
